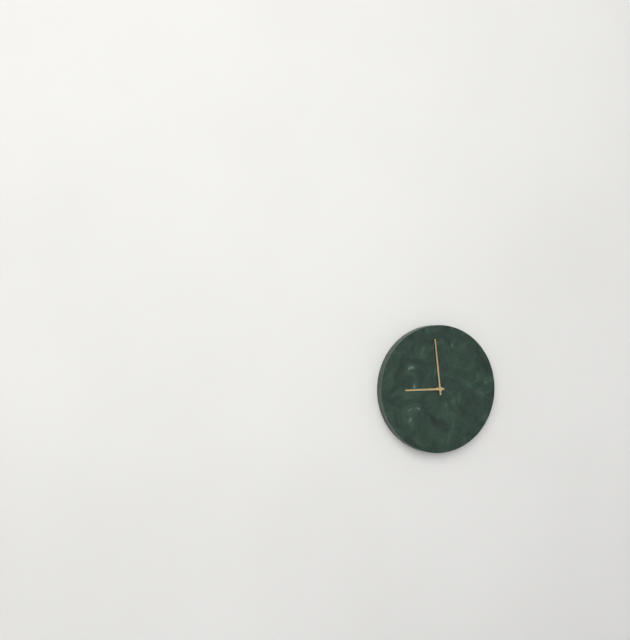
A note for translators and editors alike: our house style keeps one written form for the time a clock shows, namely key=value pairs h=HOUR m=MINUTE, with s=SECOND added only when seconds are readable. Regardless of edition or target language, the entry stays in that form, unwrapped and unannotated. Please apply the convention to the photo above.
h=8 m=59
